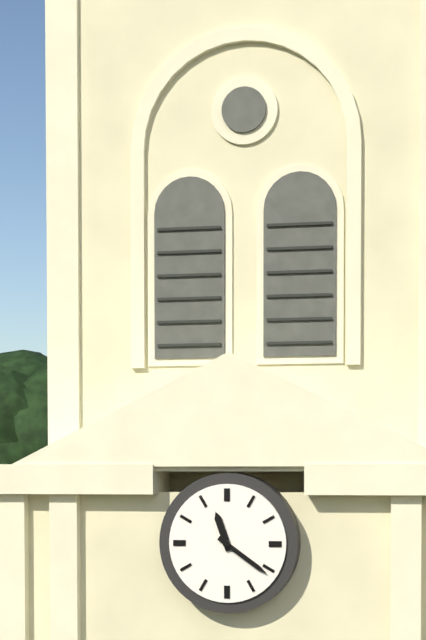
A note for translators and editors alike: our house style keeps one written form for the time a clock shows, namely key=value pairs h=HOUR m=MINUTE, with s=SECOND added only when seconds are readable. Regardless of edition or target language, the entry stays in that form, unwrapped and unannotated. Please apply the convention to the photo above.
h=11 m=21
